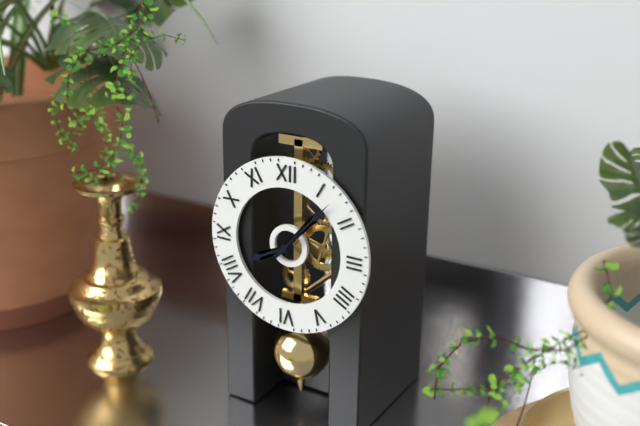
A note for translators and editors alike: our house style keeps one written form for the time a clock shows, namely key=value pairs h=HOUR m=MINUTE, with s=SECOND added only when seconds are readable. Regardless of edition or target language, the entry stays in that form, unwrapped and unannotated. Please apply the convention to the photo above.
h=8 m=7
